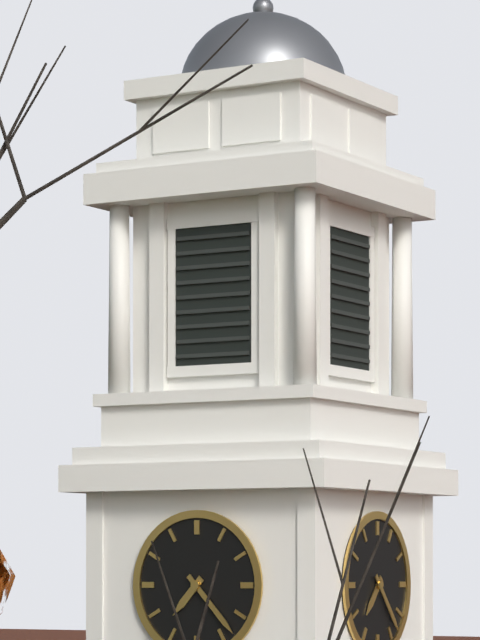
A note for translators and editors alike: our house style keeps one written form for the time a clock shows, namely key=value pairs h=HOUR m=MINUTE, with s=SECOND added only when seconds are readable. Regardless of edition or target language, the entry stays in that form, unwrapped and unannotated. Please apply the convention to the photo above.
h=7 m=23
